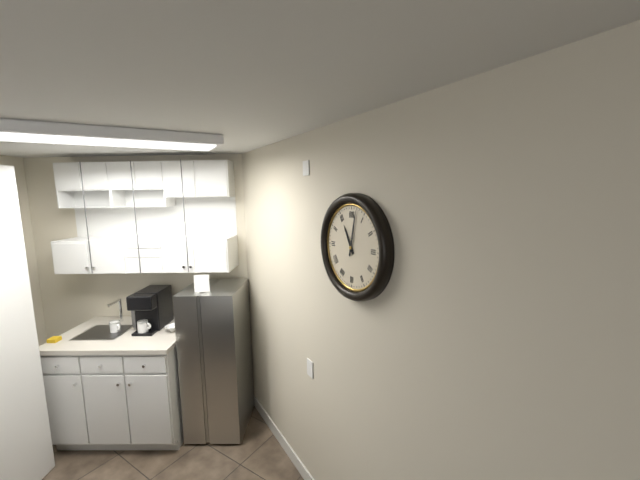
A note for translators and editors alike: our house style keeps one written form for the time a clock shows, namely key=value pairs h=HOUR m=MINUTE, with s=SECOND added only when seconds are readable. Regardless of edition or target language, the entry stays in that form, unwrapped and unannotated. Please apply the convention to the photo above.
h=11 m=2
